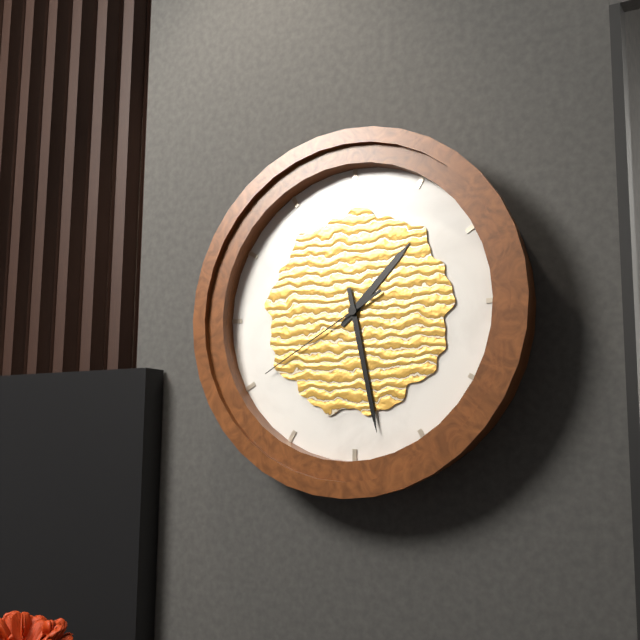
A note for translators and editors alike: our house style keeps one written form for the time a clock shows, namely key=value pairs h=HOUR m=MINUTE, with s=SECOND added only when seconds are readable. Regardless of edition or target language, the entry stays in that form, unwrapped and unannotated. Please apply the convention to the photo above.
h=1 m=28 s=40
